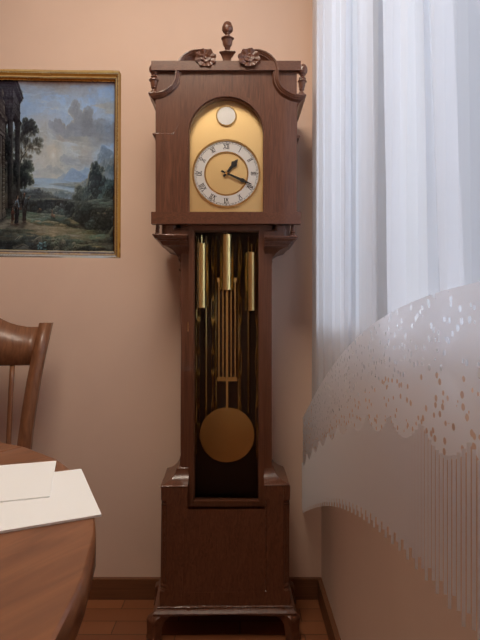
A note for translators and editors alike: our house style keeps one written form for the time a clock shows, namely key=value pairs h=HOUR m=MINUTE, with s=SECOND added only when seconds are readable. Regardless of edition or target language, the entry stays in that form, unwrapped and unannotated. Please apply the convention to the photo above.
h=1 m=19
